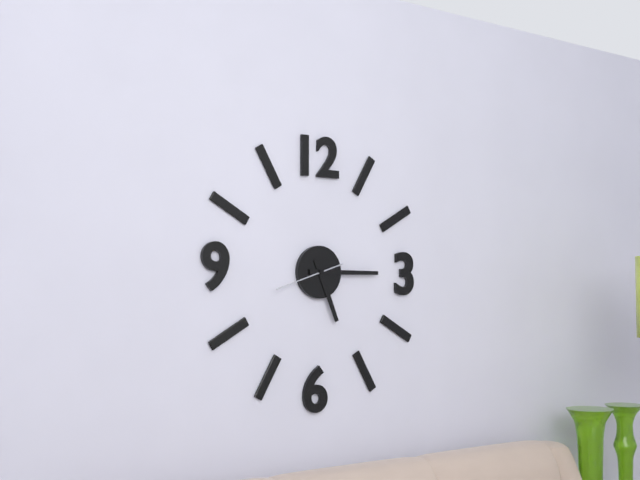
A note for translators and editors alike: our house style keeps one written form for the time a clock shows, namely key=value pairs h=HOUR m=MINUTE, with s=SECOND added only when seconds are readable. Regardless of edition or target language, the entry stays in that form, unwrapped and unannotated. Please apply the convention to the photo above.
h=5 m=15 s=42
